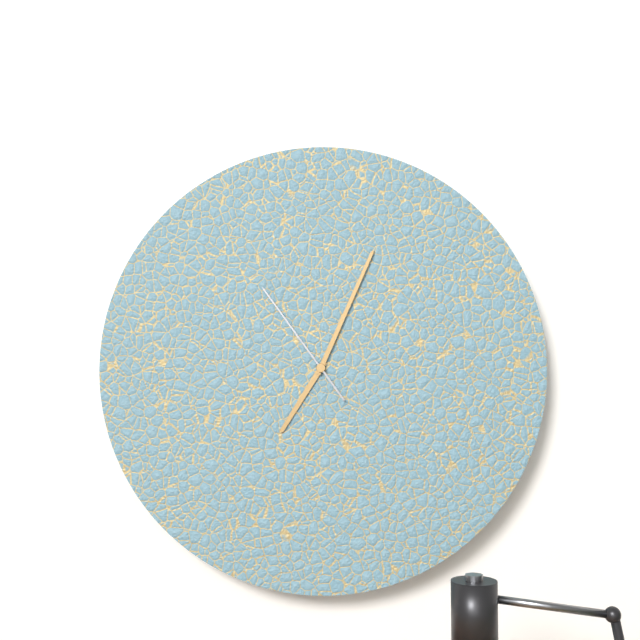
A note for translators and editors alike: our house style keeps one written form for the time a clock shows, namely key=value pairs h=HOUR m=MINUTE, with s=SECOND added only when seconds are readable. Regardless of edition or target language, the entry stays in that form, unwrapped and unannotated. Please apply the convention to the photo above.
h=7 m=4 s=54
